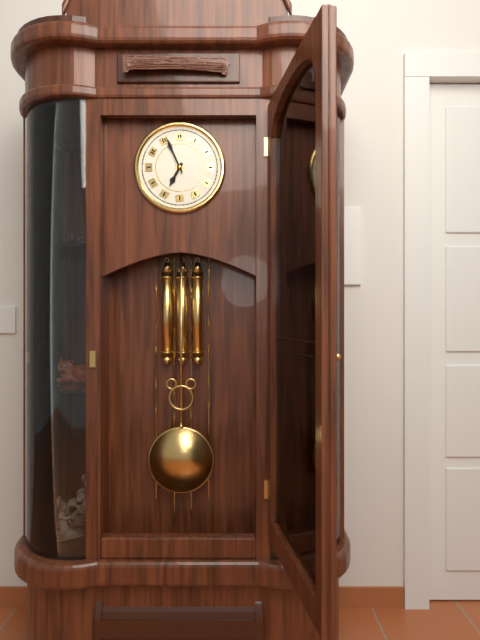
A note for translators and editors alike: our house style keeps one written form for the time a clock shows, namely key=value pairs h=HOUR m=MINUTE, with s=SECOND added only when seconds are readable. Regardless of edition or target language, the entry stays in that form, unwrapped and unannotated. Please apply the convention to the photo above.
h=6 m=56
